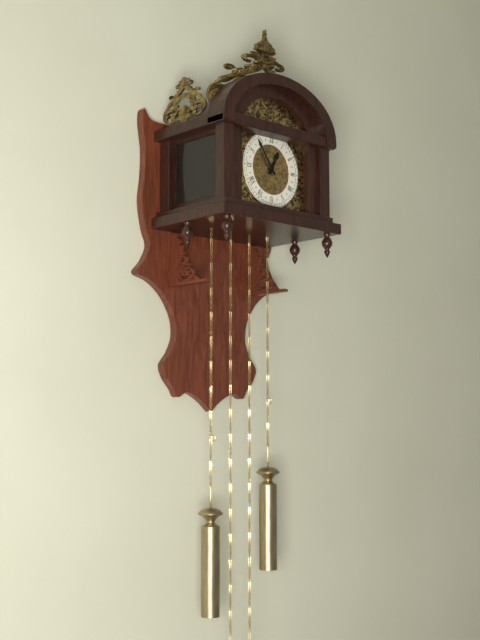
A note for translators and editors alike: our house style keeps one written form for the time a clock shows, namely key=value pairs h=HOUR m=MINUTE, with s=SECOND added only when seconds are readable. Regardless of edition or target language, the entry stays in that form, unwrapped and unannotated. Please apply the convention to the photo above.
h=12 m=54
